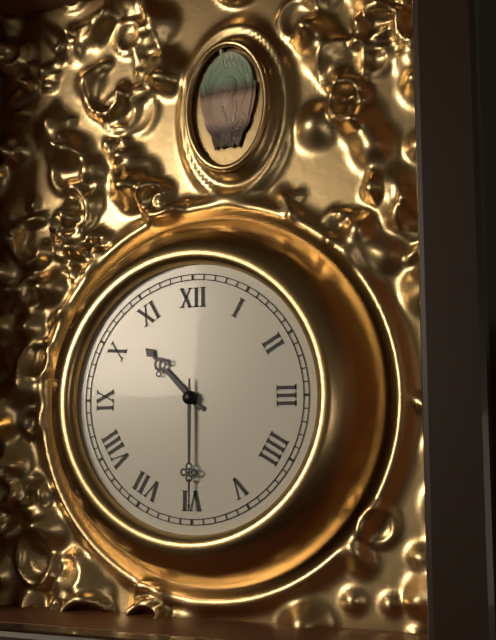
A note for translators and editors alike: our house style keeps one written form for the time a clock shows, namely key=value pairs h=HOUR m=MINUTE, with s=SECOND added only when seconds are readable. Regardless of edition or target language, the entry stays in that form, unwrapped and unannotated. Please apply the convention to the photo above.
h=10 m=30
